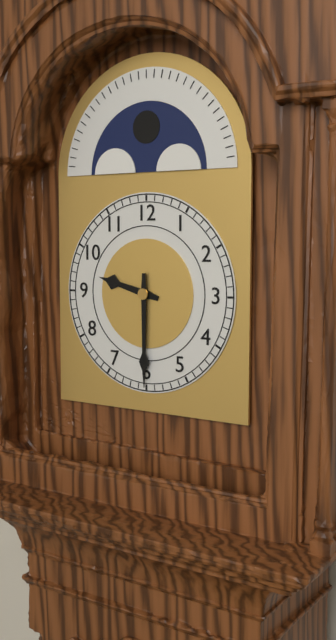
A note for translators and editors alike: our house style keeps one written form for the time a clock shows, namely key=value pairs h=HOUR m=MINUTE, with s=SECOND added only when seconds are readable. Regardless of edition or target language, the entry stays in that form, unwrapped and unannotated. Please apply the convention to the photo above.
h=9 m=30
